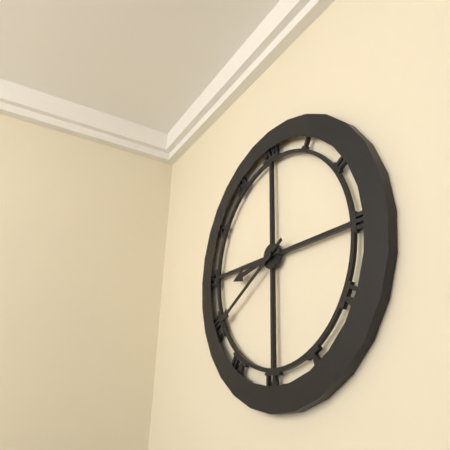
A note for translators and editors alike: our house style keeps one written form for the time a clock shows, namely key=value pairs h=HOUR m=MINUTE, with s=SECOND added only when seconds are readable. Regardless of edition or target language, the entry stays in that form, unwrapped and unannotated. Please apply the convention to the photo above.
h=8 m=40
